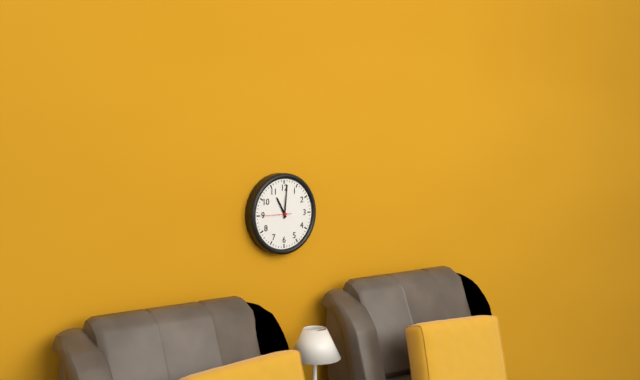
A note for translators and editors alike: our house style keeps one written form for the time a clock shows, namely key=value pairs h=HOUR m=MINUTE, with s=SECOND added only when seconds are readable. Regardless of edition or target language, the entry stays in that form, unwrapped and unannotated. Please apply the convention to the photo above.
h=11 m=1
